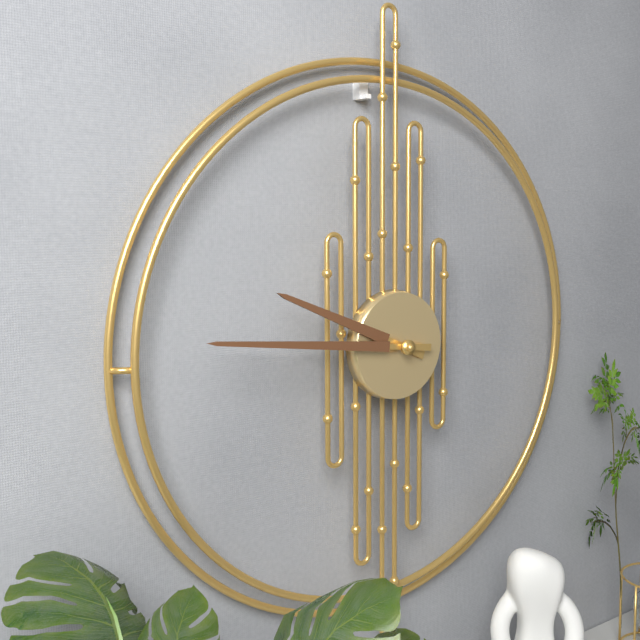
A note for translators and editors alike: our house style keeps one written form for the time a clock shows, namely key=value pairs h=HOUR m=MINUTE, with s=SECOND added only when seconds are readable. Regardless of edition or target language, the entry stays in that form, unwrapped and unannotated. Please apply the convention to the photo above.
h=9 m=46
